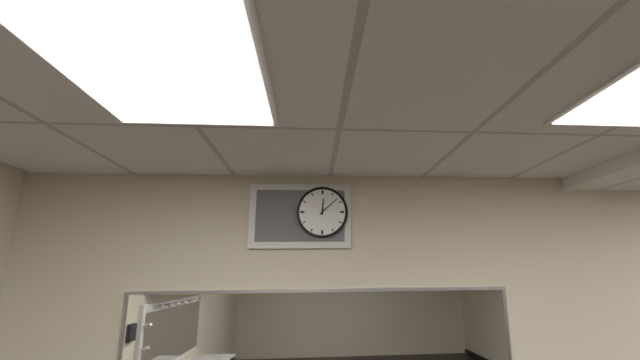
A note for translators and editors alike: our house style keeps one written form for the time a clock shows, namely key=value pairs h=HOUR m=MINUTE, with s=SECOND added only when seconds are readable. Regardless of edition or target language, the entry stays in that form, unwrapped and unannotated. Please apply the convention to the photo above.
h=12 m=8
